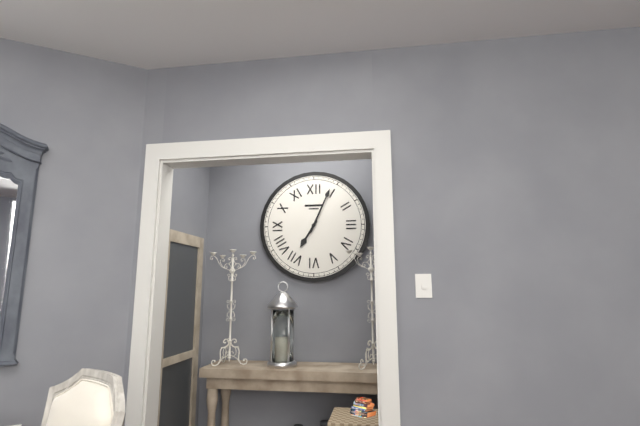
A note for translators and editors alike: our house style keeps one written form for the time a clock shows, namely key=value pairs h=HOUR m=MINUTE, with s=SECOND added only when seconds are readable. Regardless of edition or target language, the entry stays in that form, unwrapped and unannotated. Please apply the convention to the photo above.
h=7 m=4
